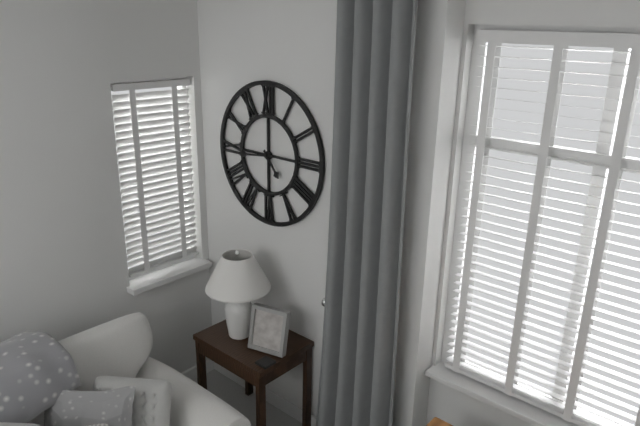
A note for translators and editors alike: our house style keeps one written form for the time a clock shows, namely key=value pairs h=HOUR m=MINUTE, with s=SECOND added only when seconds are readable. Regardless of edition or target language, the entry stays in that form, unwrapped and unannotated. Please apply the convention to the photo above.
h=4 m=44
